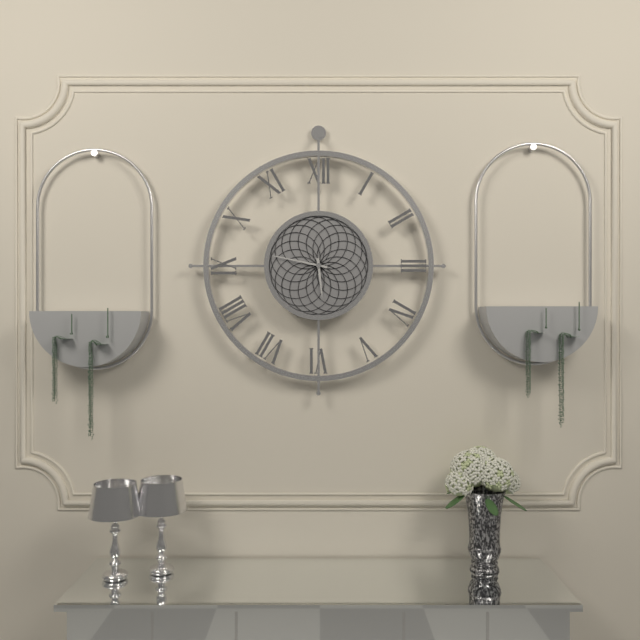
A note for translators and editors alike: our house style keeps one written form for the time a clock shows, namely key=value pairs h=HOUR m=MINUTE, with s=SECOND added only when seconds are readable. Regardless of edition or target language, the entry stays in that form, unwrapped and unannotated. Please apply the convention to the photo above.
h=5 m=47
